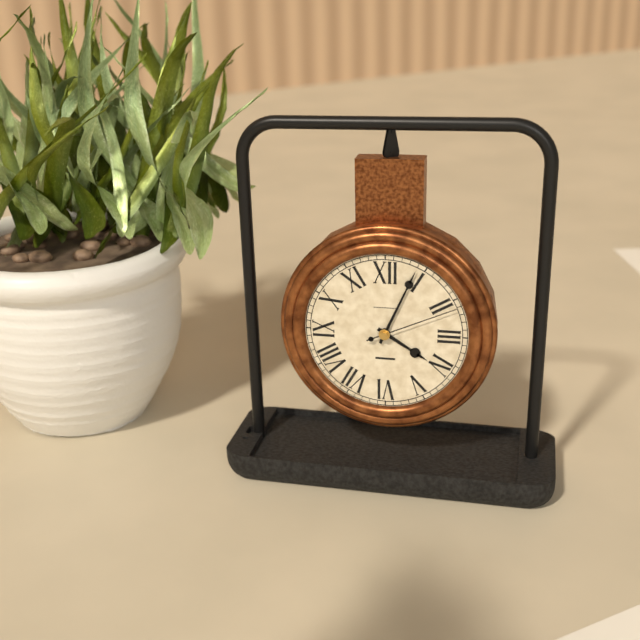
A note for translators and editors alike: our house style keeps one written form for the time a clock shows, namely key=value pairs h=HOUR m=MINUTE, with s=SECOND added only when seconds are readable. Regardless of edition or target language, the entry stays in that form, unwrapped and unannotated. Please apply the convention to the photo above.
h=4 m=4 s=11
